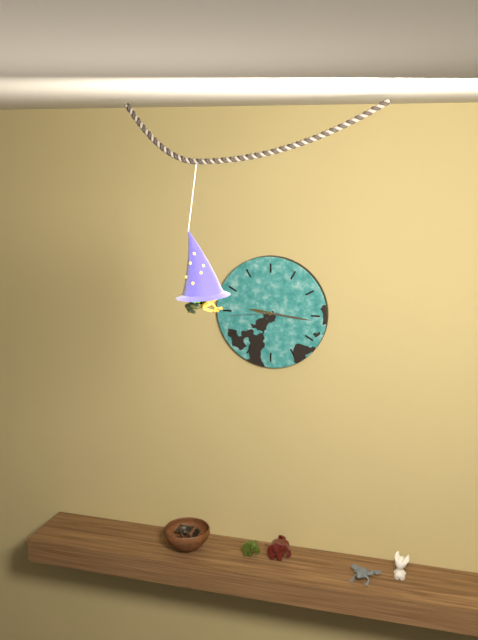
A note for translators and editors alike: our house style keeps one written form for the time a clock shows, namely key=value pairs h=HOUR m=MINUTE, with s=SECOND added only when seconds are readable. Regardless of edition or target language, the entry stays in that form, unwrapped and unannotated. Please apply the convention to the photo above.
h=9 m=16 s=44
